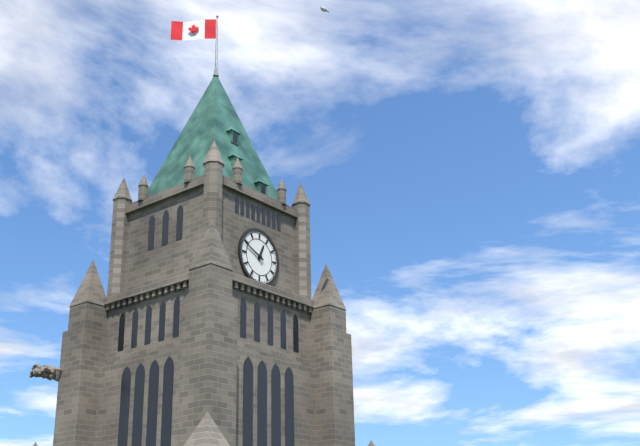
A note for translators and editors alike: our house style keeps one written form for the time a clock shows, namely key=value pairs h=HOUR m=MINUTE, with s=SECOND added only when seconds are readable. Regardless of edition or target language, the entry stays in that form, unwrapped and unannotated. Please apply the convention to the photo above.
h=12 m=49
